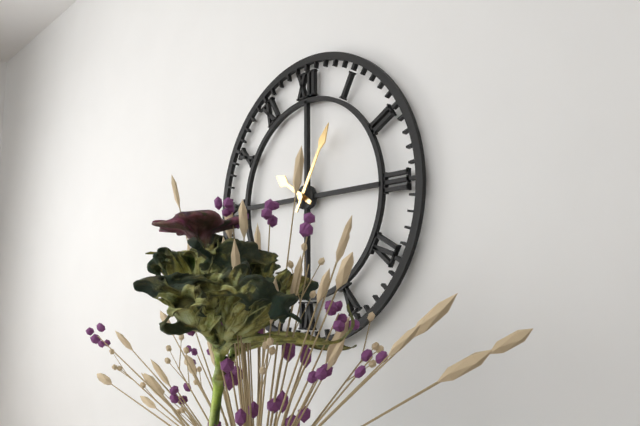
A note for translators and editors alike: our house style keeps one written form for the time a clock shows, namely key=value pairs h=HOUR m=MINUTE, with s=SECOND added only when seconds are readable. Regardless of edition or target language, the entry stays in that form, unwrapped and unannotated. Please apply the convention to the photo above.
h=10 m=5
